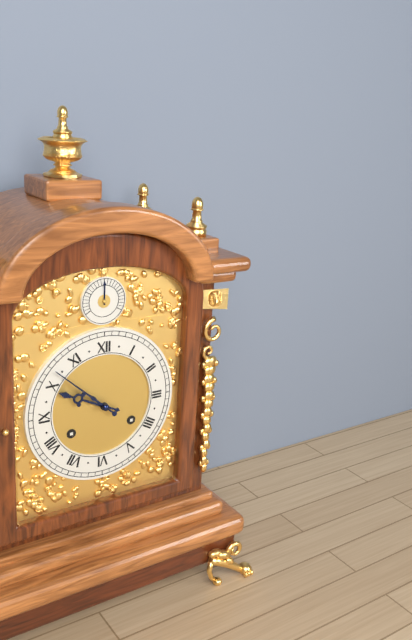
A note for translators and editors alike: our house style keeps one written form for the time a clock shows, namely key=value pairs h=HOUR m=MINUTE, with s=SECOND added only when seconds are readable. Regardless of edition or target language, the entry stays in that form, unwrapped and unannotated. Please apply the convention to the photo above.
h=9 m=52
